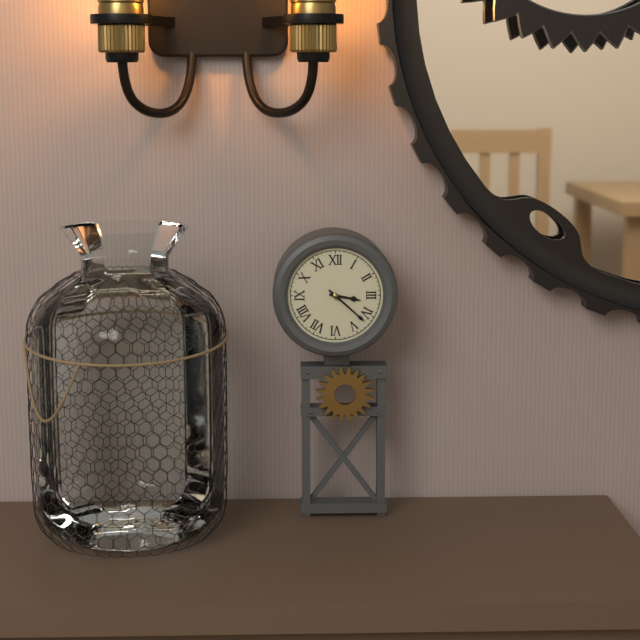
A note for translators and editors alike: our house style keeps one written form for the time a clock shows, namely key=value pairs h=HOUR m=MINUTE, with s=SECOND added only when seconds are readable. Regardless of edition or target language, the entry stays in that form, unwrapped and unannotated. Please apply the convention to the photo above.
h=3 m=22
